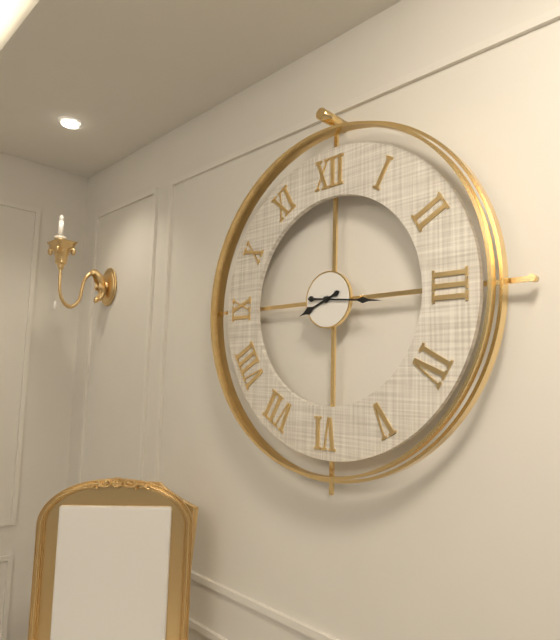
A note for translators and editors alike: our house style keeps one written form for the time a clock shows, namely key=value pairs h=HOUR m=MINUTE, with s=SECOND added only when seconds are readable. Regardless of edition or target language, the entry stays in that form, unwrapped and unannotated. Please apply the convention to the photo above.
h=8 m=16
